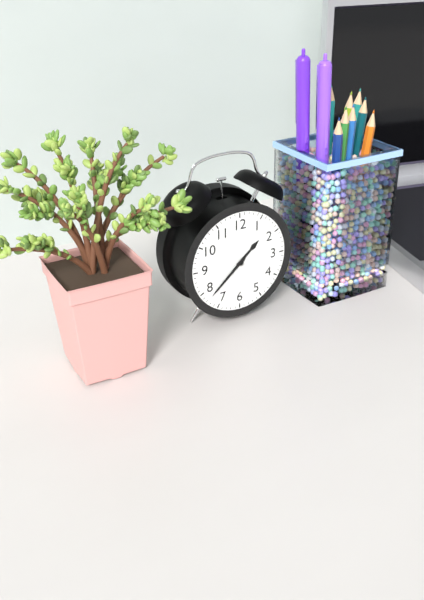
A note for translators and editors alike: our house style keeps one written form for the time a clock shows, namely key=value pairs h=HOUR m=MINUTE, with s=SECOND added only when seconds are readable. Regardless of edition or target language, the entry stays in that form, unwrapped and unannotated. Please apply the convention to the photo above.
h=1 m=38
